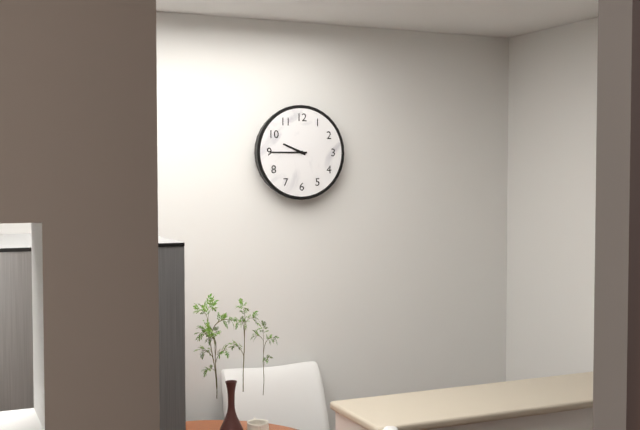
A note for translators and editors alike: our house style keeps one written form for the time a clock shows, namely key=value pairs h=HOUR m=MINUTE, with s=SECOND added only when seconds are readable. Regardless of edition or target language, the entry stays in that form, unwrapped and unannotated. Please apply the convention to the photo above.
h=9 m=45
